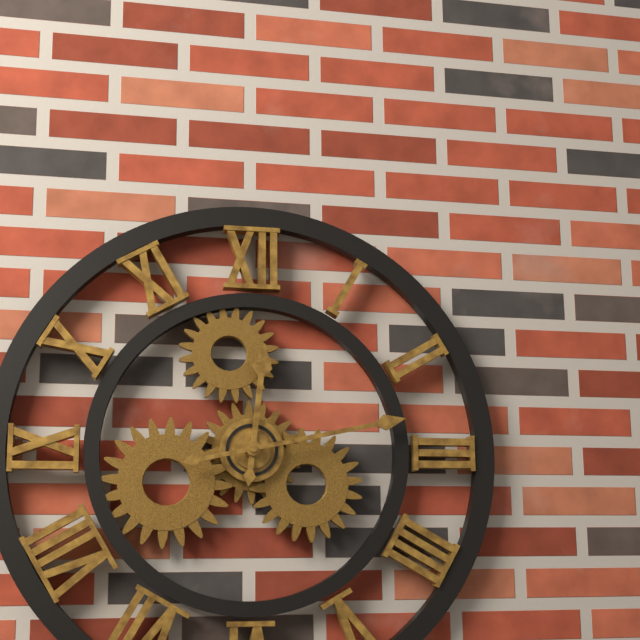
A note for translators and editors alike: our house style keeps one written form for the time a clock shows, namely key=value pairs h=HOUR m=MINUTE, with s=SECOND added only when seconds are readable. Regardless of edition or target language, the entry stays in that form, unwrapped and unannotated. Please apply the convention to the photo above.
h=12 m=13
